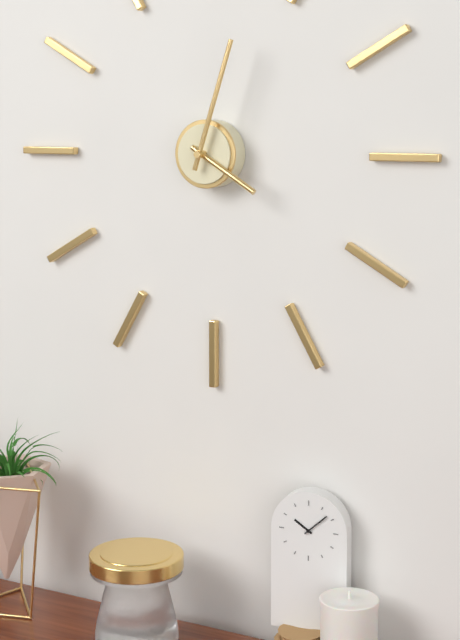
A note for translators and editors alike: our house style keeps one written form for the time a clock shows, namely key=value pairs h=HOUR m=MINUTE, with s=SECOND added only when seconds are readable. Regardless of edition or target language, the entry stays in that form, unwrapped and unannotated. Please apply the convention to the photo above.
h=4 m=3
